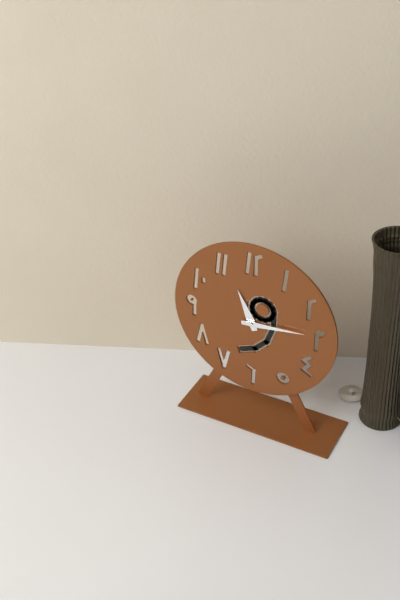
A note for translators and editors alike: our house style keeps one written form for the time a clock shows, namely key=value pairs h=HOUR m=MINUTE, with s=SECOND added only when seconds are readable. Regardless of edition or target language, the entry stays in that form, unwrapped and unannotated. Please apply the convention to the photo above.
h=11 m=14
